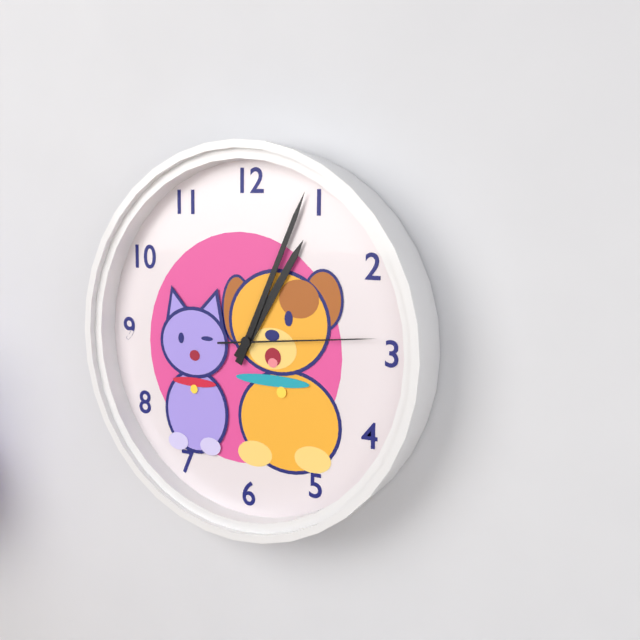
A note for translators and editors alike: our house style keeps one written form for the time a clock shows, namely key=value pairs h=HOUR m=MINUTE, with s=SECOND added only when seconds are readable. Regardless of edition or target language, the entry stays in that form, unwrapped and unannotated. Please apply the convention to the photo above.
h=1 m=4 s=14
